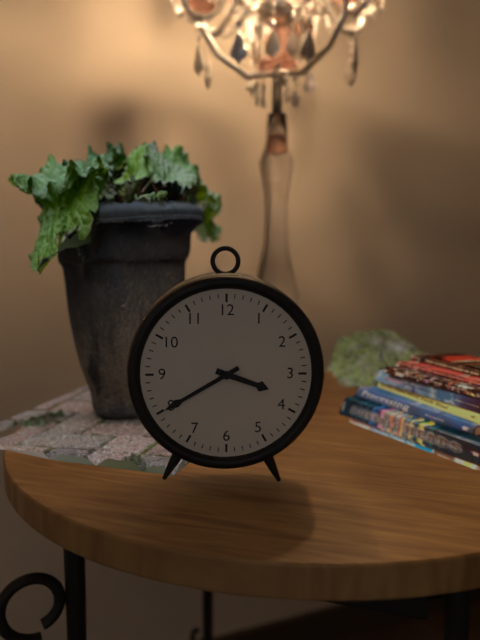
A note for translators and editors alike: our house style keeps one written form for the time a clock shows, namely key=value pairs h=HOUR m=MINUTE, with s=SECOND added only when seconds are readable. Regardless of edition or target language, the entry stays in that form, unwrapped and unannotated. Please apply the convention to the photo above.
h=3 m=40
